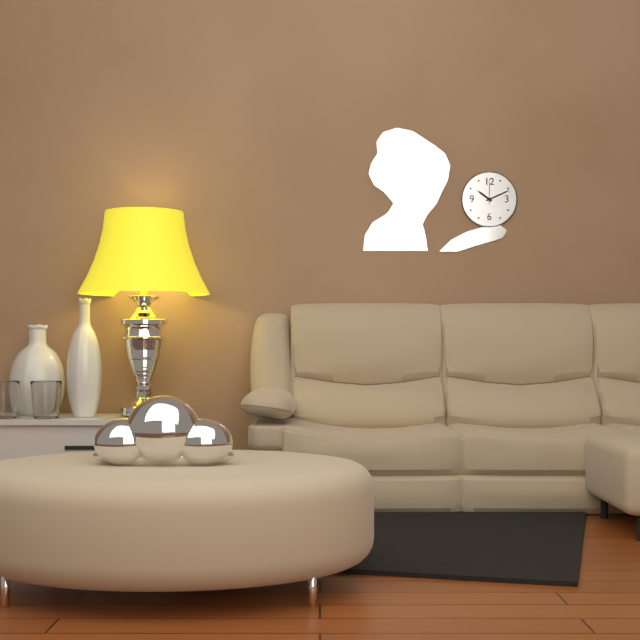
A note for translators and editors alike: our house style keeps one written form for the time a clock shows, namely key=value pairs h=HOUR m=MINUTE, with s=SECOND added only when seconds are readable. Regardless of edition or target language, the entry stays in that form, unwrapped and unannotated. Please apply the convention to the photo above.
h=10 m=11
